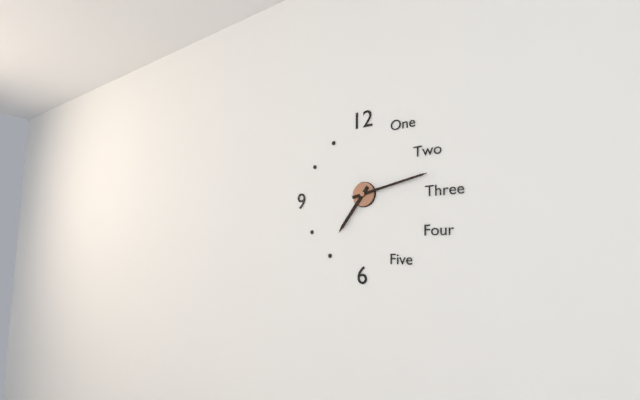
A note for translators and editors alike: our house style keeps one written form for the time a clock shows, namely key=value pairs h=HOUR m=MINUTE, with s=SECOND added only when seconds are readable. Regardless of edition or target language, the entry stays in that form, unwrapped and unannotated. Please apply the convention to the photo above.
h=7 m=13
